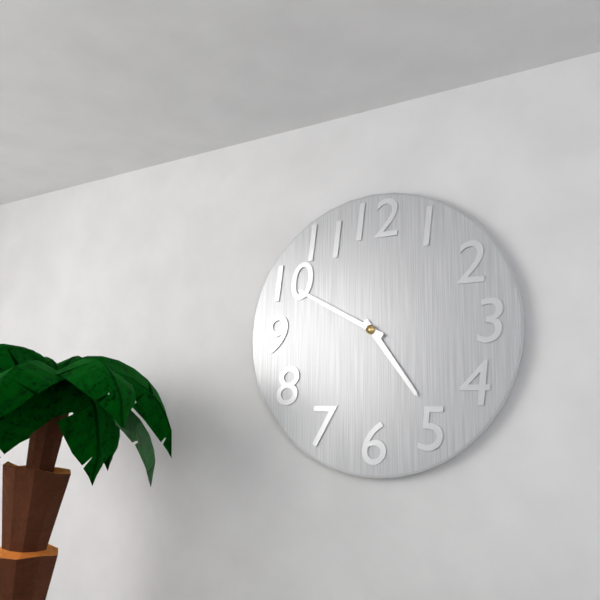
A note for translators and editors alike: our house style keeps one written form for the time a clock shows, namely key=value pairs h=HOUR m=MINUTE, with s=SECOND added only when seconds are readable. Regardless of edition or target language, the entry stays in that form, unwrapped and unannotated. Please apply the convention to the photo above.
h=4 m=50
